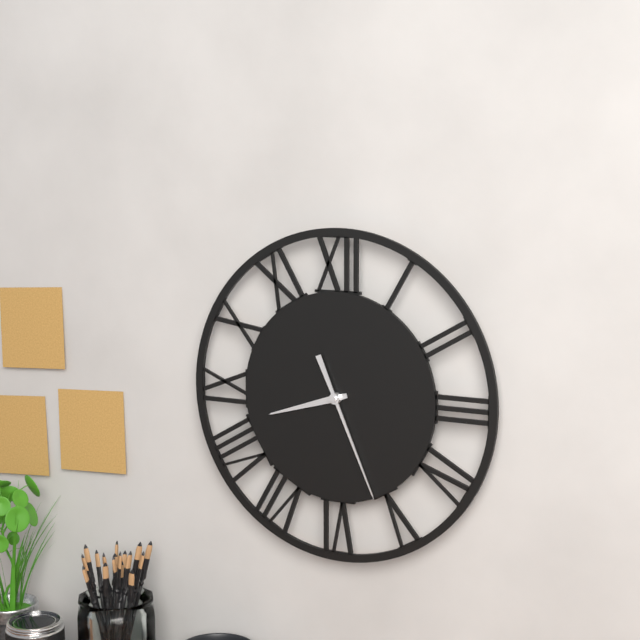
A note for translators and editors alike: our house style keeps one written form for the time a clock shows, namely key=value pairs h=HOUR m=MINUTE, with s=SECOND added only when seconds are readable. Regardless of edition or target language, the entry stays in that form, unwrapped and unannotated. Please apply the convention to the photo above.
h=8 m=26
